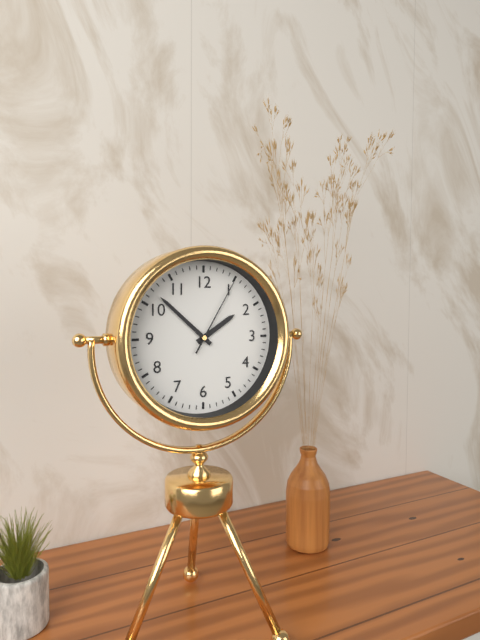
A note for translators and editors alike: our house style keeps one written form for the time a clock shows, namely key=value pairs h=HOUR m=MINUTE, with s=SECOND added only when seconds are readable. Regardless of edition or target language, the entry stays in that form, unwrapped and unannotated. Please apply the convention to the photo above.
h=1 m=52 s=5
